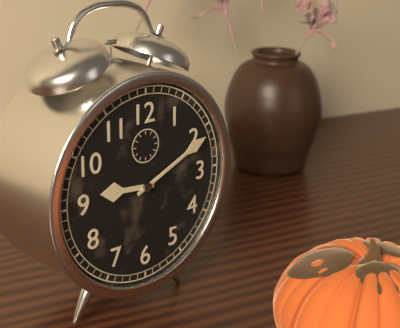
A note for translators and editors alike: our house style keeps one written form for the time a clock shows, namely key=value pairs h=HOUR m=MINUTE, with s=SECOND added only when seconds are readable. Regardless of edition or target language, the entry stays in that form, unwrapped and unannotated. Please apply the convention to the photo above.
h=9 m=11
